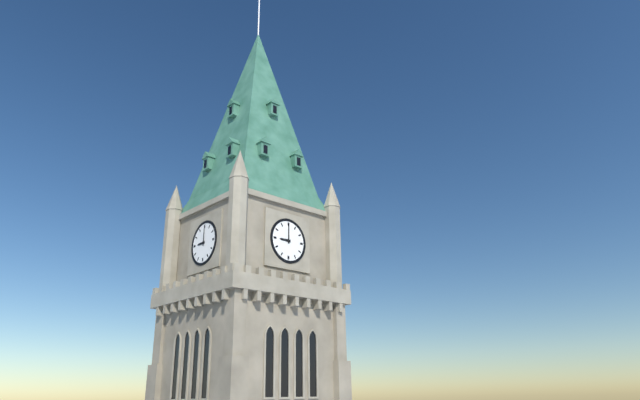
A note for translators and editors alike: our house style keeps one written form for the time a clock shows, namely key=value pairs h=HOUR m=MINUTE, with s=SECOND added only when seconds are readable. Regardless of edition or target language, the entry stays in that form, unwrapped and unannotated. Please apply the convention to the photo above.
h=9 m=0
